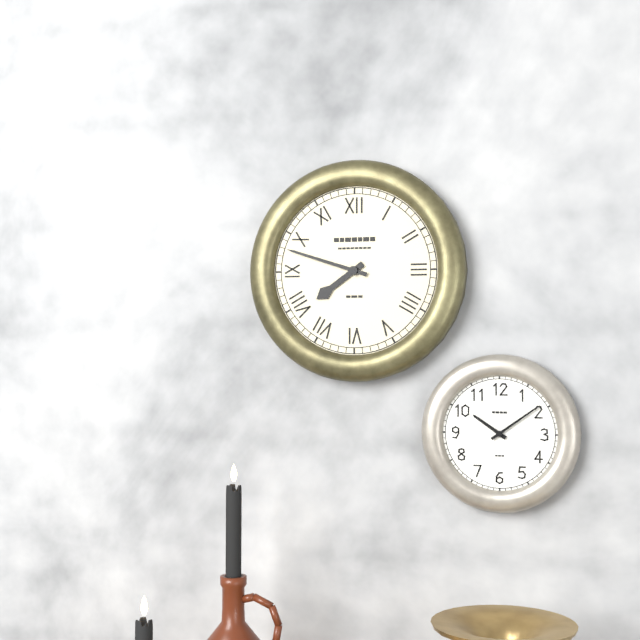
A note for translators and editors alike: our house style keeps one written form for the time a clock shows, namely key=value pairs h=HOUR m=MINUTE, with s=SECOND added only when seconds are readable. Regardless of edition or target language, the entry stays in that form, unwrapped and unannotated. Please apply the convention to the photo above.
h=7 m=48
